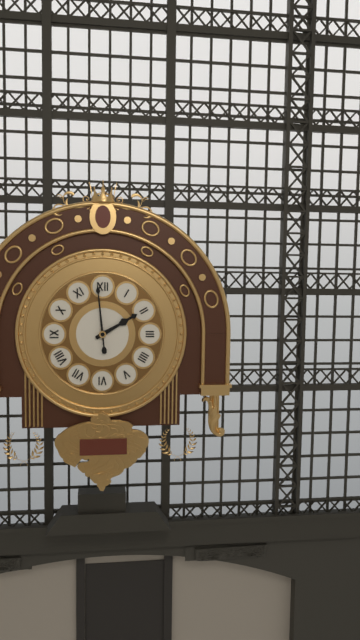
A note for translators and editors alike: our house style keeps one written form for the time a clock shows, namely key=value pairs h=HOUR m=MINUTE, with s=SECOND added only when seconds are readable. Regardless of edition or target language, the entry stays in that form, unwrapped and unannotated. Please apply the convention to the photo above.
h=1 m=59
